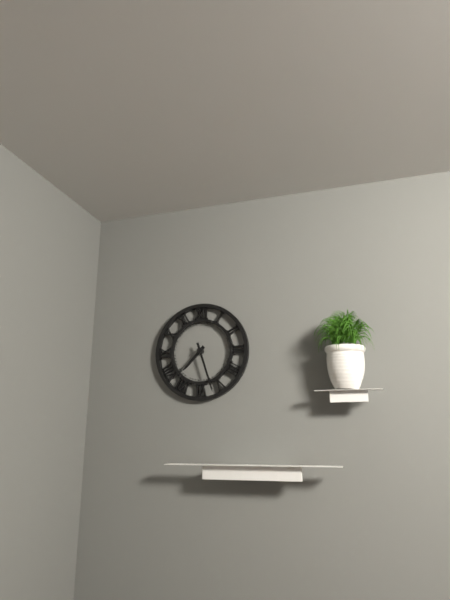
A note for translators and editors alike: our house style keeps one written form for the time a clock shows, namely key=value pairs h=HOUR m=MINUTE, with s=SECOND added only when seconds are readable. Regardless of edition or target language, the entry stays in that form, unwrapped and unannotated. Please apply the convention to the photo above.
h=7 m=27
